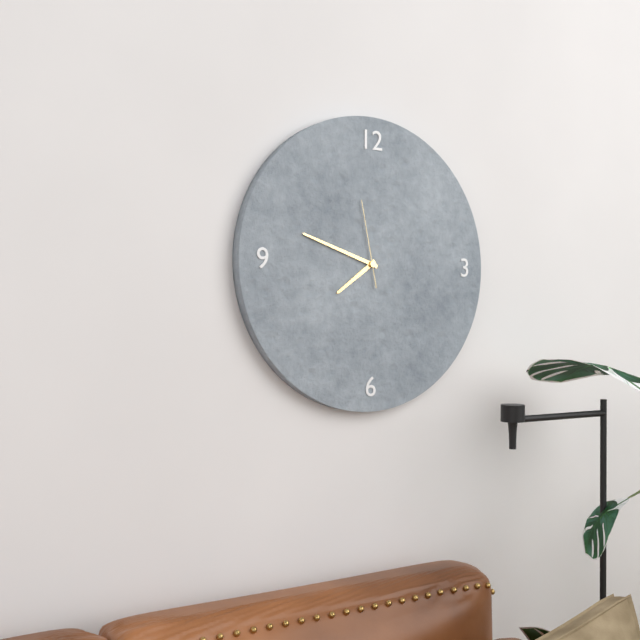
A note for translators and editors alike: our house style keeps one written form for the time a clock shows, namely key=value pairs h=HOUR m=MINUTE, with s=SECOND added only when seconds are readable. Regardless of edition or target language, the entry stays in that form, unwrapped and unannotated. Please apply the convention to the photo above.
h=7 m=48 s=58
